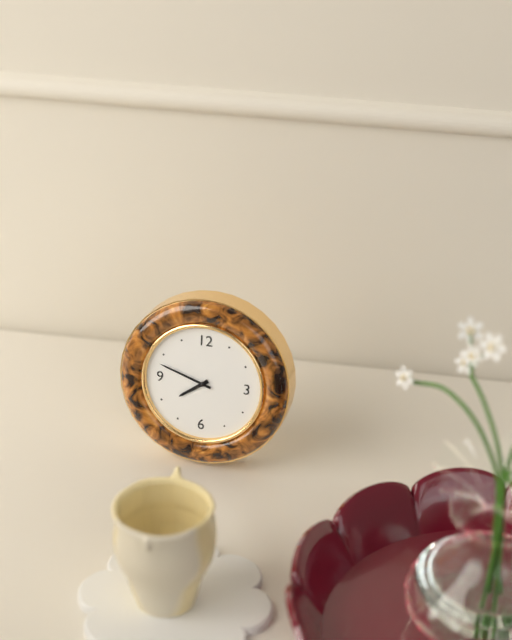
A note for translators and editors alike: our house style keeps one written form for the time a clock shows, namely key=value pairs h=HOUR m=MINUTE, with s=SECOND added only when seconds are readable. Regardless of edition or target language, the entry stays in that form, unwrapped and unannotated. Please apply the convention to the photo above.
h=7 m=48
